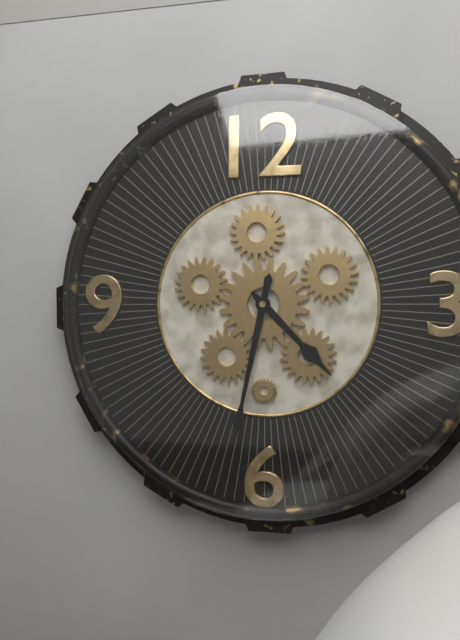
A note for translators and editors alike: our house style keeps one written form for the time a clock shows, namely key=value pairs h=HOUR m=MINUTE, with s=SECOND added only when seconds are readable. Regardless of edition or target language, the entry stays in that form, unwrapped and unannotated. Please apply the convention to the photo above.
h=4 m=32
